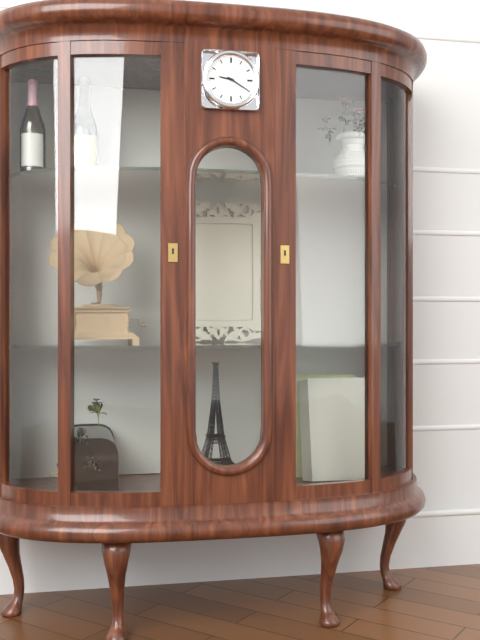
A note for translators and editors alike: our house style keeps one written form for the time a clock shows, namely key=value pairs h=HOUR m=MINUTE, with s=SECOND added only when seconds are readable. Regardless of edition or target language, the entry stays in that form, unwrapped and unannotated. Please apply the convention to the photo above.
h=9 m=20
